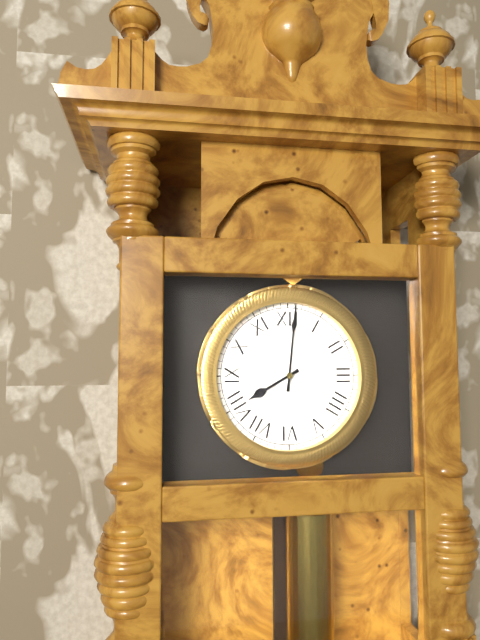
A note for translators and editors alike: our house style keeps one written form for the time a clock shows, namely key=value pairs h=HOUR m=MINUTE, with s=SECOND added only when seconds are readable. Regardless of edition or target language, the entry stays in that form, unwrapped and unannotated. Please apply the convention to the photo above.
h=8 m=1
